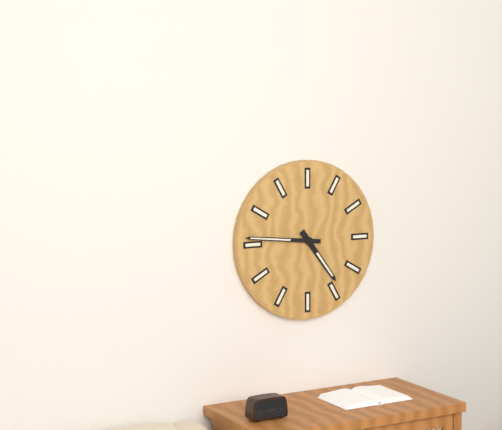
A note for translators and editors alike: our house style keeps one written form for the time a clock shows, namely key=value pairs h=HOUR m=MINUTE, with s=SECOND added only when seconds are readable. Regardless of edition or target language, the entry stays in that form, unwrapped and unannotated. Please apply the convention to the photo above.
h=4 m=46
